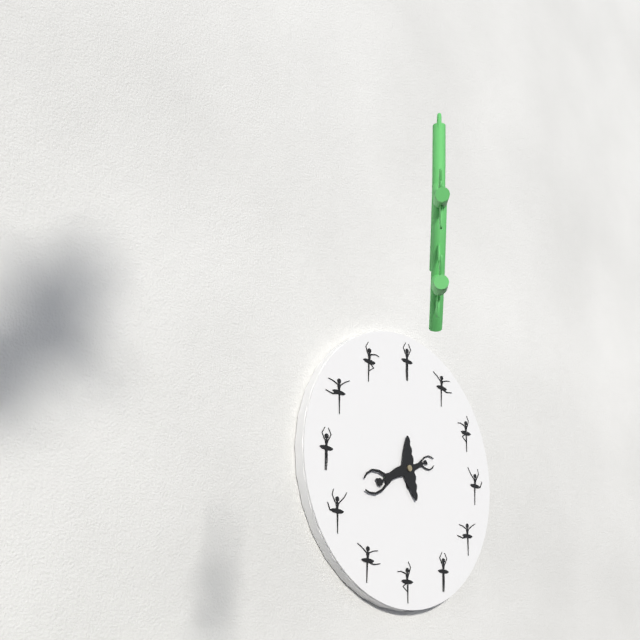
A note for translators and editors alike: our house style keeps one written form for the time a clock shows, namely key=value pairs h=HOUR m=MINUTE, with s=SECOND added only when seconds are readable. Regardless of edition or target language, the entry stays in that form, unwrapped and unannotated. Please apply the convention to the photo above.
h=2 m=43
